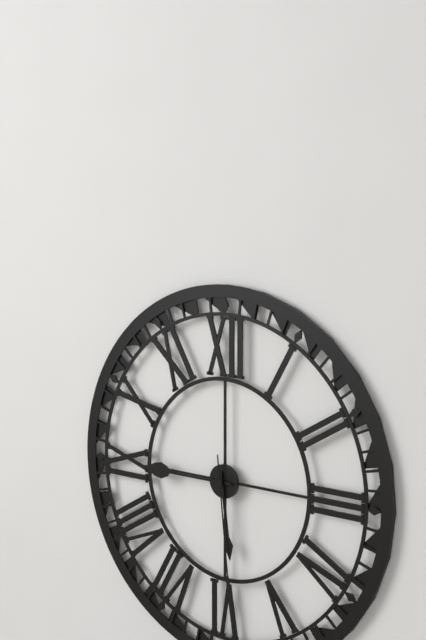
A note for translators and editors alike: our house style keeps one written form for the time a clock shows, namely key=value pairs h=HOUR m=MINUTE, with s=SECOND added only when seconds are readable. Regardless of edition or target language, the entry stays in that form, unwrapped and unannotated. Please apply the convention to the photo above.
h=5 m=45 s=29
